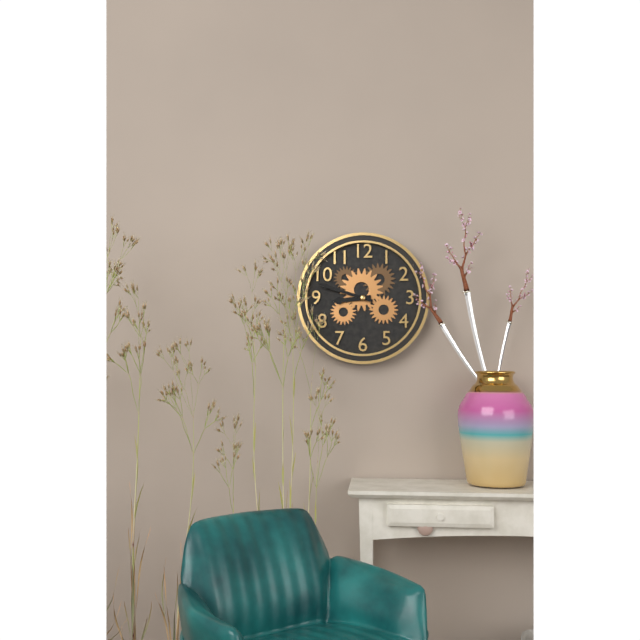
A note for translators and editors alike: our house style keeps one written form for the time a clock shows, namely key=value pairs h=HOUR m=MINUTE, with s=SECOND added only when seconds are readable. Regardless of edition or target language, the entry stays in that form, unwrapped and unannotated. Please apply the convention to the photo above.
h=8 m=48
